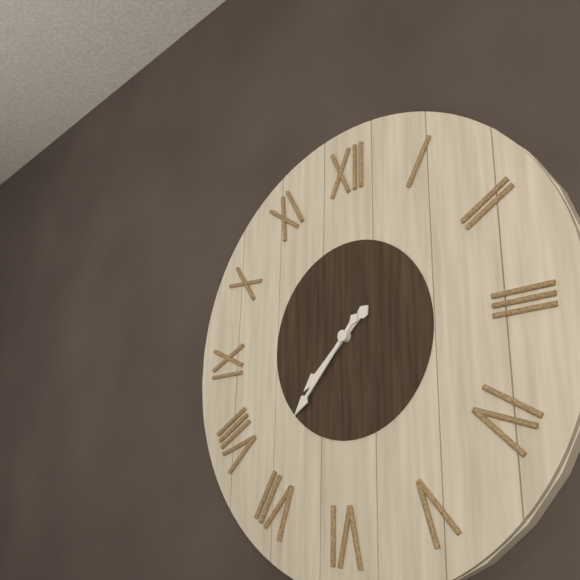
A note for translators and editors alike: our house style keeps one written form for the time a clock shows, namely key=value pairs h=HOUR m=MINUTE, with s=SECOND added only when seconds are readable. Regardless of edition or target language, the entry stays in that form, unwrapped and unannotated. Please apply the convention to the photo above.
h=7 m=37
